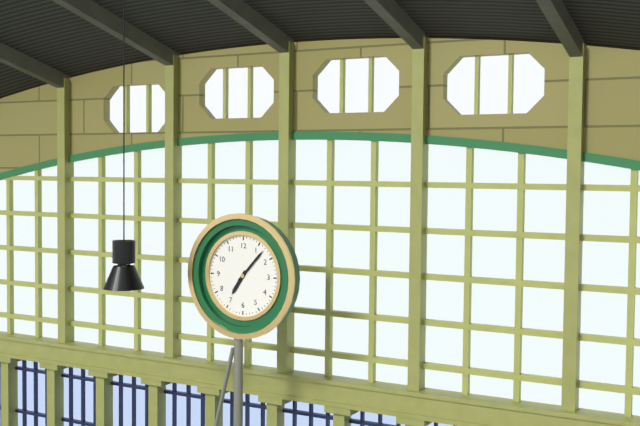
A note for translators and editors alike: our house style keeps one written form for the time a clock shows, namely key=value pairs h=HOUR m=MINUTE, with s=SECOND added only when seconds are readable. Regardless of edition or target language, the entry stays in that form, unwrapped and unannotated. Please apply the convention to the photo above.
h=7 m=7
